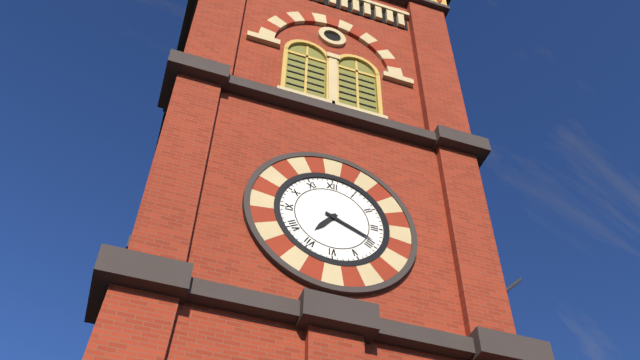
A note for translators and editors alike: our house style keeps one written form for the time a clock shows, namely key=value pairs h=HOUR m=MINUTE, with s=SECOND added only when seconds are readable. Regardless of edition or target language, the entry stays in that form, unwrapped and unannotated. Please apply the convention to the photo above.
h=7 m=19
